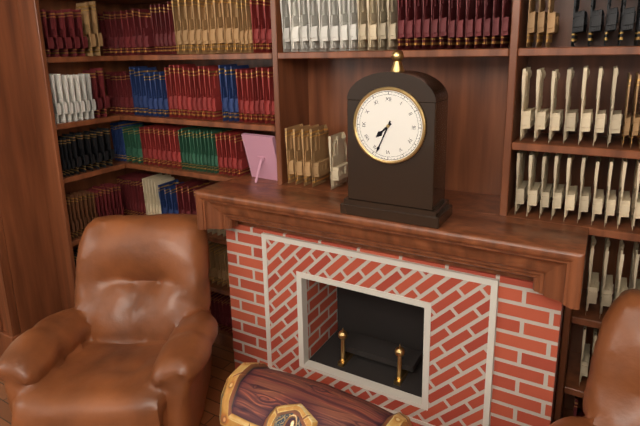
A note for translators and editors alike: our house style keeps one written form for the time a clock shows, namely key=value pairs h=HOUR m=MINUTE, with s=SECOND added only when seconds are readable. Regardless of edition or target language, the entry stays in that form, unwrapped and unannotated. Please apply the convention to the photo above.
h=7 m=34
